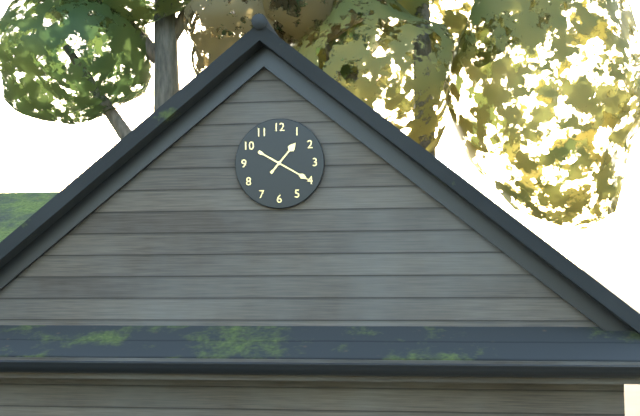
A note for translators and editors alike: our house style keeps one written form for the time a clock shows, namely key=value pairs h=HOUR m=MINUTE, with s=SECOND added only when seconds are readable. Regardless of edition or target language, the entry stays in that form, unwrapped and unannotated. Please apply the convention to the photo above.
h=1 m=20
